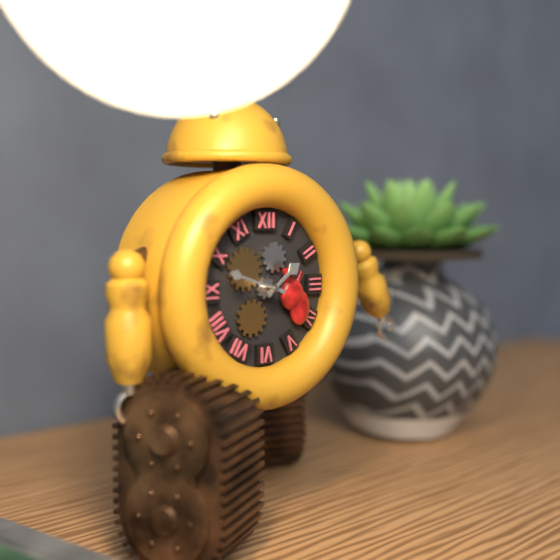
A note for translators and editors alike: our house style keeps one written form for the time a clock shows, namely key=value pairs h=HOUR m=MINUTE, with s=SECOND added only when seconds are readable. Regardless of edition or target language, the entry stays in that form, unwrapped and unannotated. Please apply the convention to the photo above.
h=1 m=48
